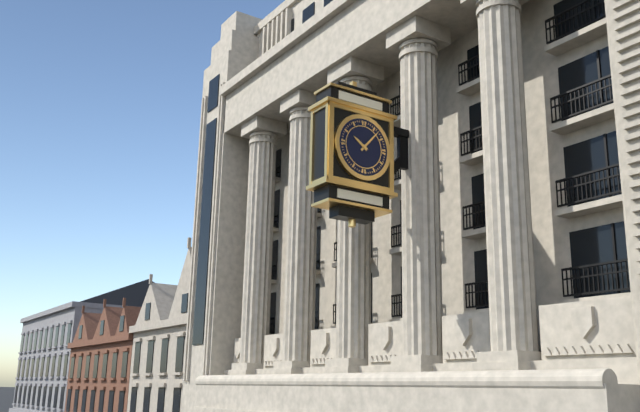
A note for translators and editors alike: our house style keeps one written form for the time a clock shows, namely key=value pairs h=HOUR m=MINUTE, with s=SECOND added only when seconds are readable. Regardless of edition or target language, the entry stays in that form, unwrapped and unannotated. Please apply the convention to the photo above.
h=10 m=7
